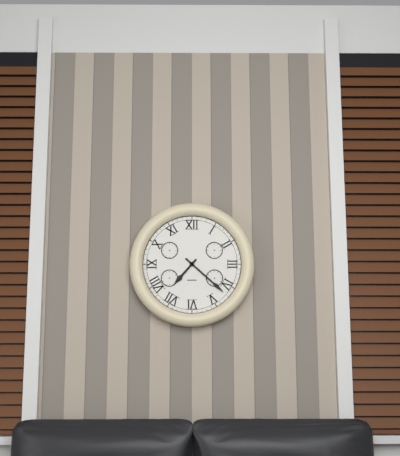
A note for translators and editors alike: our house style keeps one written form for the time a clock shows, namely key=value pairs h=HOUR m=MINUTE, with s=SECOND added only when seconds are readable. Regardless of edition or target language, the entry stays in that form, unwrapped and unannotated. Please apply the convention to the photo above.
h=7 m=22
